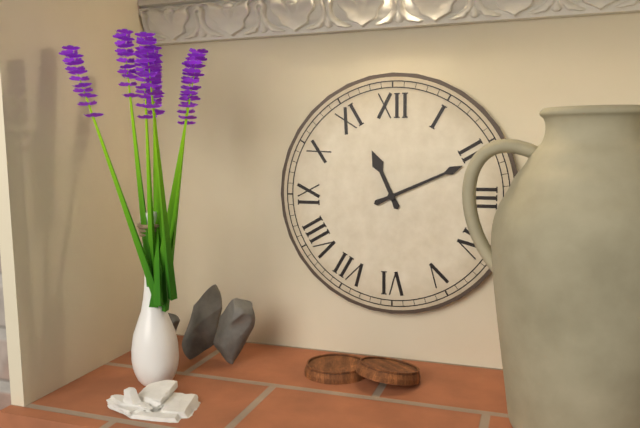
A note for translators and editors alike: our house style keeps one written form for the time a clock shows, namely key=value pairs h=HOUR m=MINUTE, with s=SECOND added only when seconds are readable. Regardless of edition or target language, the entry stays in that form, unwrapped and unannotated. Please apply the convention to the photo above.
h=11 m=11
